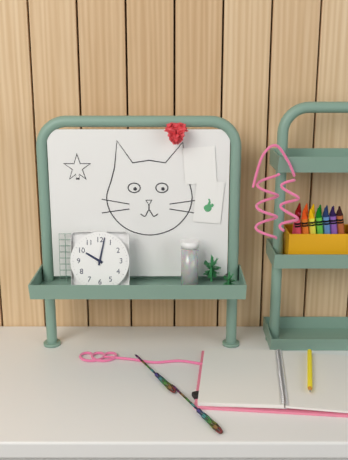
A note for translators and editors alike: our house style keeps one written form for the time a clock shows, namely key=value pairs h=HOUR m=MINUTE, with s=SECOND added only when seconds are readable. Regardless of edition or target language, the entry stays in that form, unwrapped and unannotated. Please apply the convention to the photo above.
h=10 m=2
